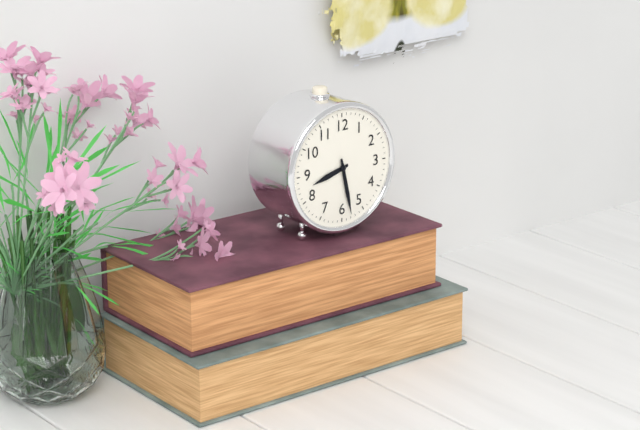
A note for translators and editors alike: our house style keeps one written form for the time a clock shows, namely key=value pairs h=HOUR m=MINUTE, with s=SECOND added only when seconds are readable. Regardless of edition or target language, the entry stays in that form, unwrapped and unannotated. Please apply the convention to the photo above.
h=8 m=28
